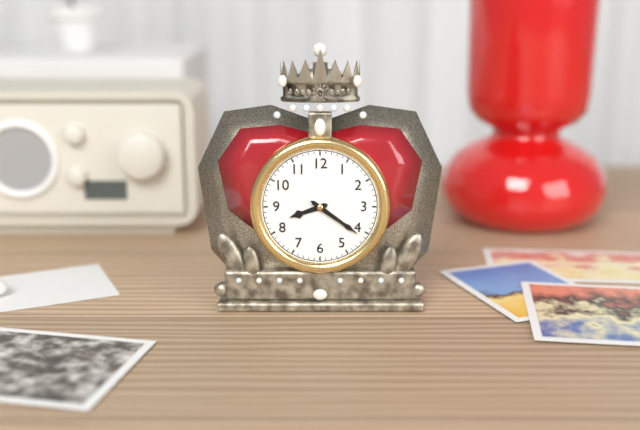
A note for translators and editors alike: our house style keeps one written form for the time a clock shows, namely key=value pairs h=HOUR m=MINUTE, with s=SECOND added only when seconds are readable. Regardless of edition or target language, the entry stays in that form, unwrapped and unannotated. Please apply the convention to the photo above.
h=8 m=21
